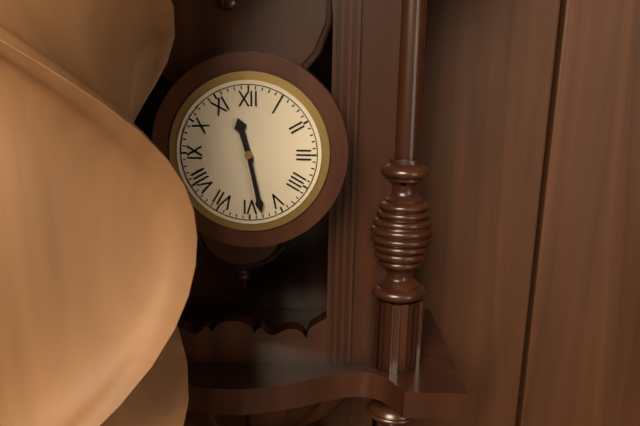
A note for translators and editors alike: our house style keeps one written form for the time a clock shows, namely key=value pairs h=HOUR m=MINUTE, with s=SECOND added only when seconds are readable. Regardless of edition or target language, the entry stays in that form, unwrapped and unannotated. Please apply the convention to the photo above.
h=11 m=28
